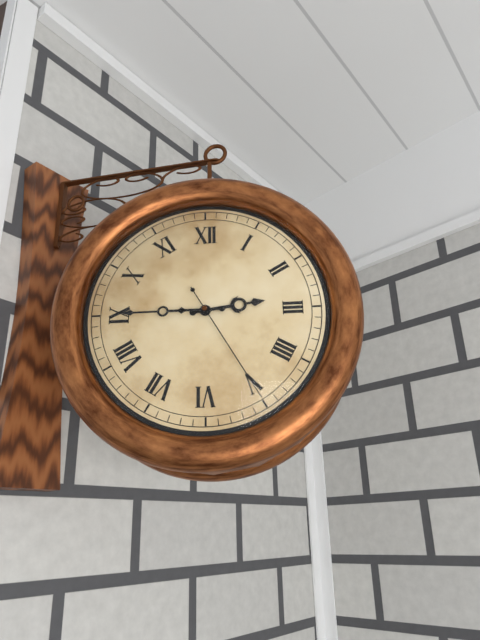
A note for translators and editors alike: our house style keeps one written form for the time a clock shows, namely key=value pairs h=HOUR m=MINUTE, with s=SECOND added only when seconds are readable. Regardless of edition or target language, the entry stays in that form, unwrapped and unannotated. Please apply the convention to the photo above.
h=2 m=45 s=25
